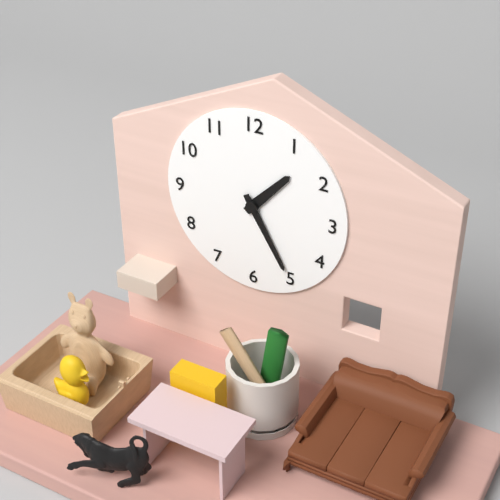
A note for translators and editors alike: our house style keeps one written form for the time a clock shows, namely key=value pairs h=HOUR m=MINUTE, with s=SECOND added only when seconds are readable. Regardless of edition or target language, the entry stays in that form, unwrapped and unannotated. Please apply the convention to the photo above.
h=1 m=25
